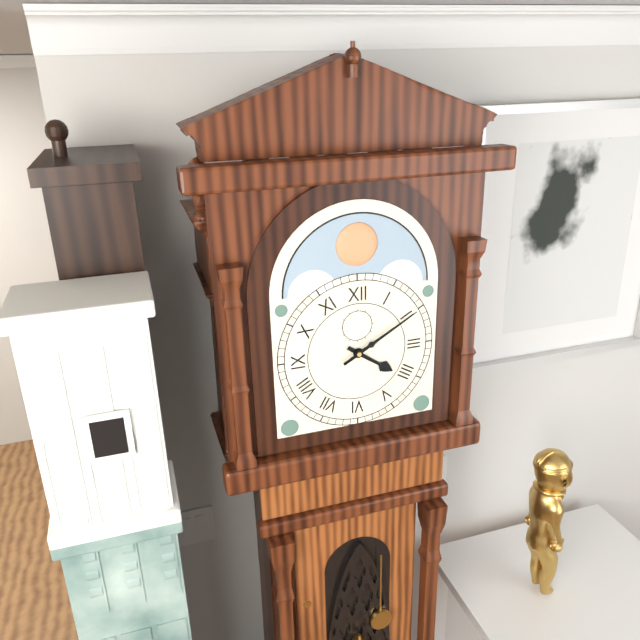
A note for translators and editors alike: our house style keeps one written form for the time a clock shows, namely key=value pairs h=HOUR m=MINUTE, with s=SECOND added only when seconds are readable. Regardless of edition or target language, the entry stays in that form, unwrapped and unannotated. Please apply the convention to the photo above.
h=4 m=10
